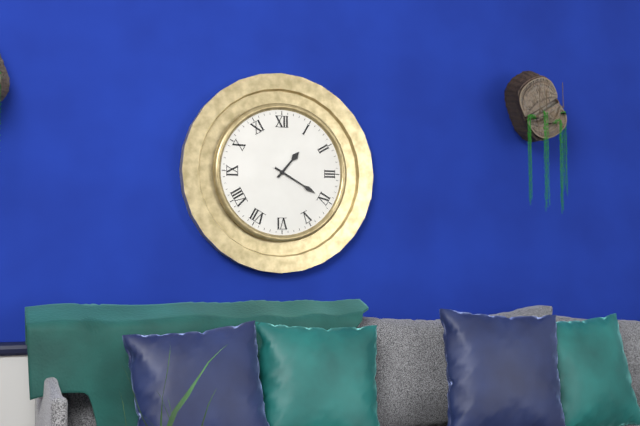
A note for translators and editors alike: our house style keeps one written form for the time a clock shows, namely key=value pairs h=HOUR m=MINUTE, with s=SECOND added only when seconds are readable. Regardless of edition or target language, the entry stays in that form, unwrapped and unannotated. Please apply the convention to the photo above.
h=1 m=20
